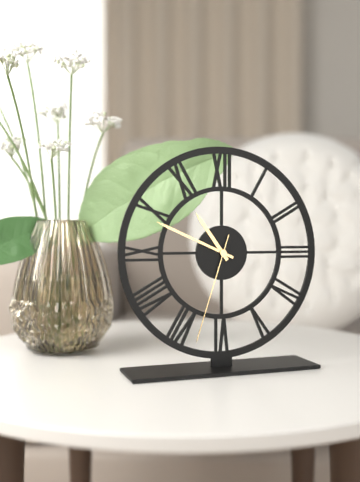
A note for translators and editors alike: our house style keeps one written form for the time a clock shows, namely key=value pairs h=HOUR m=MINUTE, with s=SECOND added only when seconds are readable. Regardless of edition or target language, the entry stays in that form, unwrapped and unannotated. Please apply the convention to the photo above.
h=10 m=49 s=33
